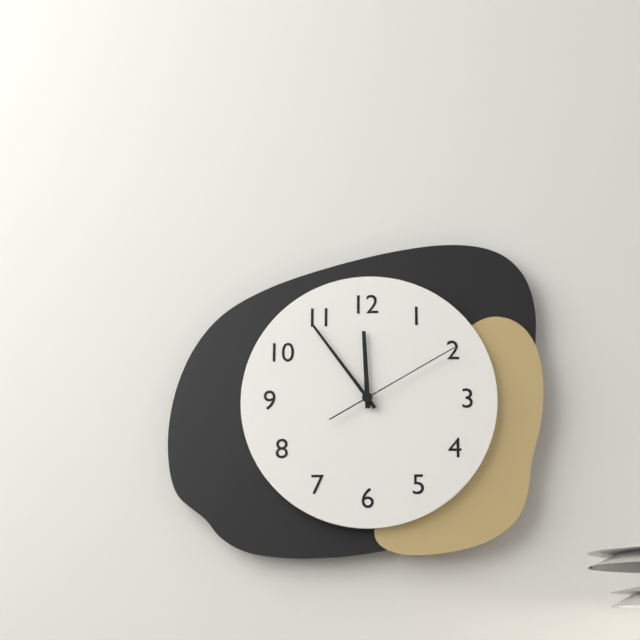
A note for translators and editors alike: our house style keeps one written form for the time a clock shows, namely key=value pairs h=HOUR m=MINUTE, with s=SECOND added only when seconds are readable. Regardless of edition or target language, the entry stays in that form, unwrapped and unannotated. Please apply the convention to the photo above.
h=11 m=54 s=10
